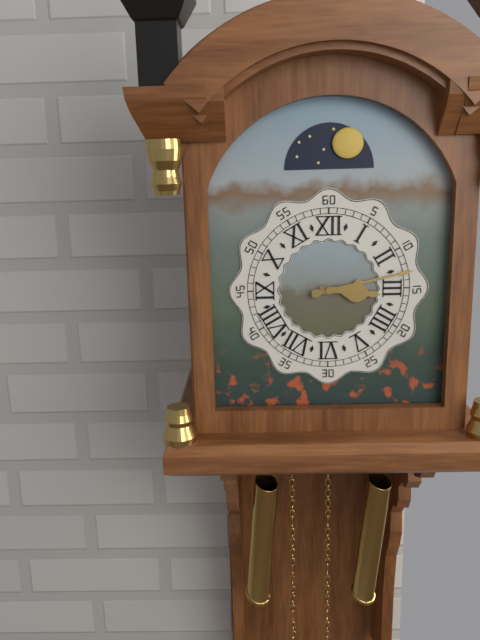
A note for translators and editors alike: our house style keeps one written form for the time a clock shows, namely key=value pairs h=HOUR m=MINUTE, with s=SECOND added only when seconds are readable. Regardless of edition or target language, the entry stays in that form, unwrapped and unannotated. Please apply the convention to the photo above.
h=3 m=13
